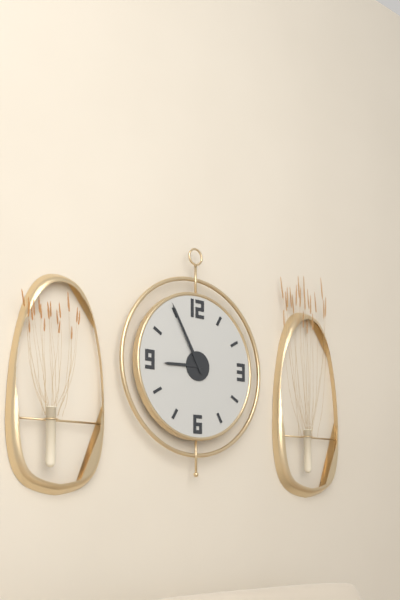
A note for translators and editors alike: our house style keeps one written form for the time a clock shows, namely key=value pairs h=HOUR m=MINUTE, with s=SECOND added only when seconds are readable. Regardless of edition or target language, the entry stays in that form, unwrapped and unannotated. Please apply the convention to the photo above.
h=8 m=55
